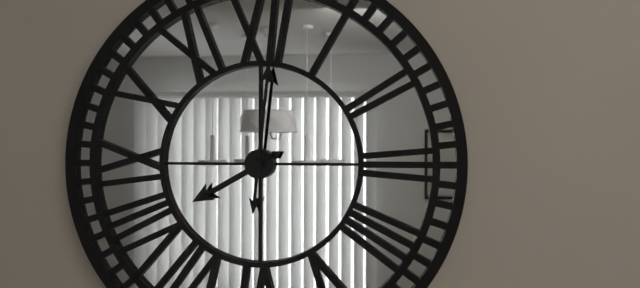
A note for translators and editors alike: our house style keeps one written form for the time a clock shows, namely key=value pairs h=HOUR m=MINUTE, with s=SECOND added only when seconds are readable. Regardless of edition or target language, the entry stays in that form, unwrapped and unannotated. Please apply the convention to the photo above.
h=8 m=1
